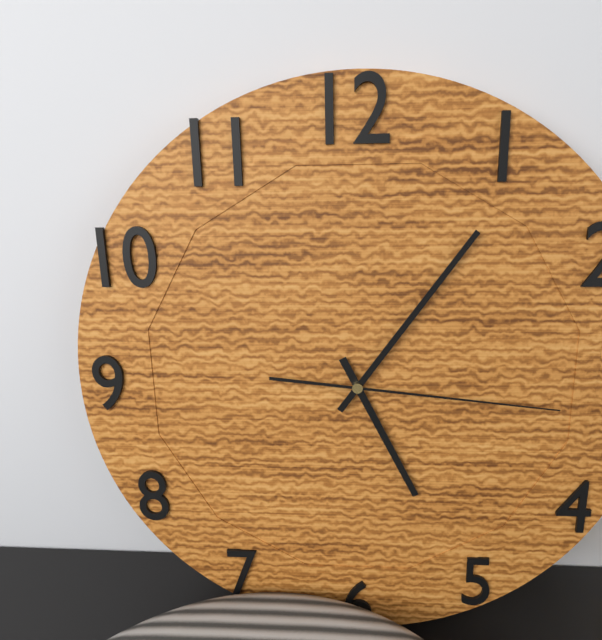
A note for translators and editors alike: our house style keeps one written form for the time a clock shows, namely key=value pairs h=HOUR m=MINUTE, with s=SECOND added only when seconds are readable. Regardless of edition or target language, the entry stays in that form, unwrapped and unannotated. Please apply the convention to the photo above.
h=5 m=6 s=16
